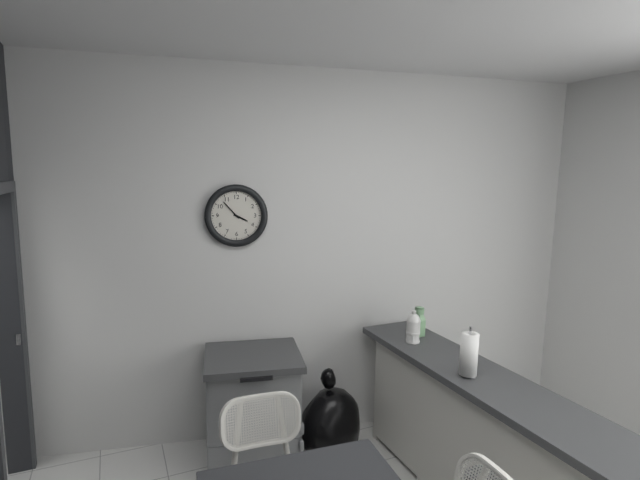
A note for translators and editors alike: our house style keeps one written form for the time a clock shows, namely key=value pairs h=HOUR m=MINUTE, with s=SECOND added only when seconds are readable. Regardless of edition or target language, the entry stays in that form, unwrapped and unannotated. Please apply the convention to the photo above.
h=3 m=53
